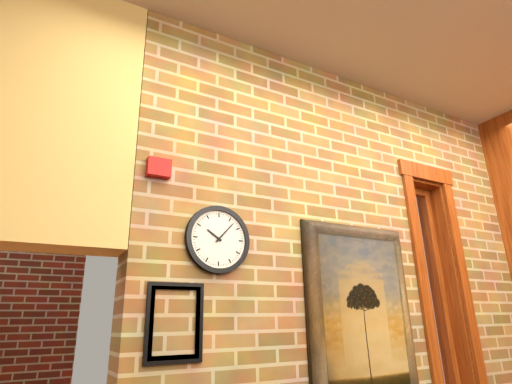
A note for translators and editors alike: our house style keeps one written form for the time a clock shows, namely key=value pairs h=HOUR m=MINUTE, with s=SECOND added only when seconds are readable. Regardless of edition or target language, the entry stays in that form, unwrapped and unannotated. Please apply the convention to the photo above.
h=10 m=7
